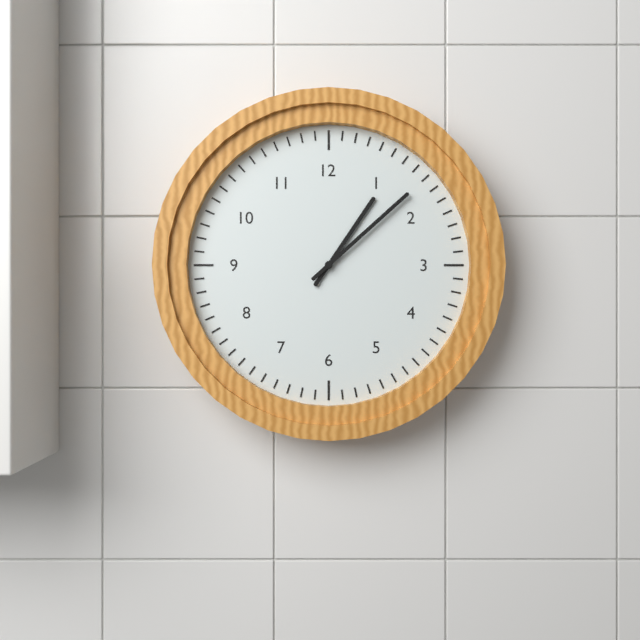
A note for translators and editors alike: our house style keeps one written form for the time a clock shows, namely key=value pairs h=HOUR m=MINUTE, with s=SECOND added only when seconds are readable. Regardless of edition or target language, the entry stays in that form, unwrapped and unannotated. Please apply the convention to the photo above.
h=1 m=8
